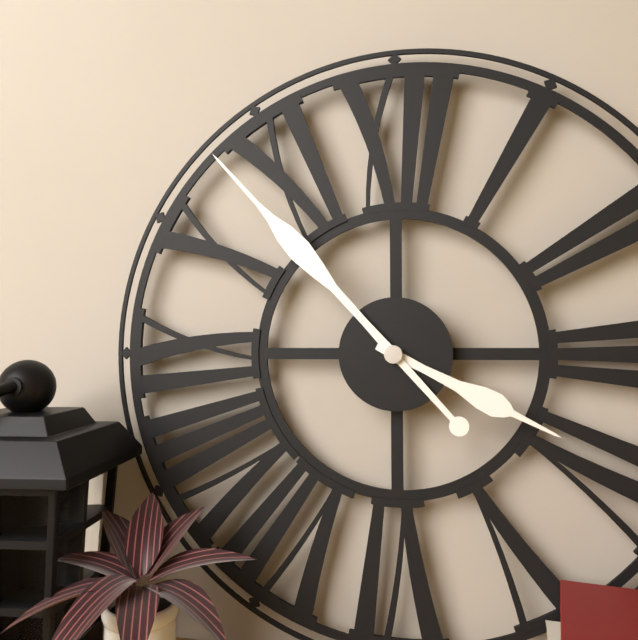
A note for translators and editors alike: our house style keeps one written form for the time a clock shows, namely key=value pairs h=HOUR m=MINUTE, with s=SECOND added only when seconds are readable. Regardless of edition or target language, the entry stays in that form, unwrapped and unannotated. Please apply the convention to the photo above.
h=3 m=53
